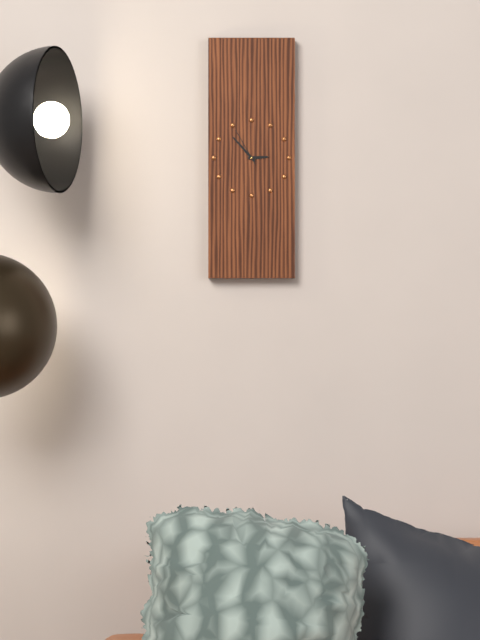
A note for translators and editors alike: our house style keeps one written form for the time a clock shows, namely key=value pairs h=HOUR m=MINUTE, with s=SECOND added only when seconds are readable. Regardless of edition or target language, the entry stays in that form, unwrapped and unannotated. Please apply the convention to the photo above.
h=2 m=53
